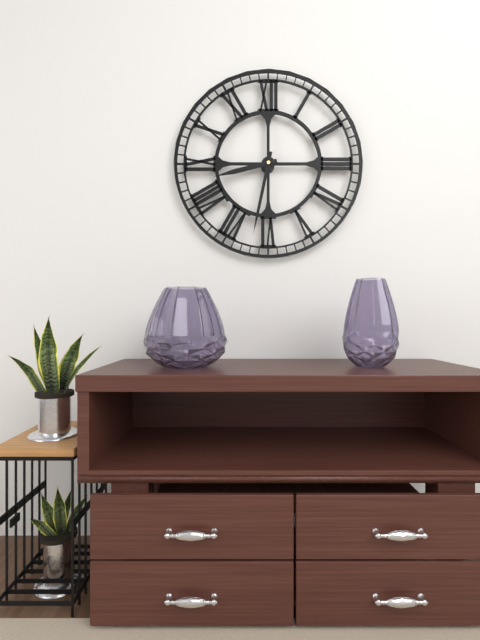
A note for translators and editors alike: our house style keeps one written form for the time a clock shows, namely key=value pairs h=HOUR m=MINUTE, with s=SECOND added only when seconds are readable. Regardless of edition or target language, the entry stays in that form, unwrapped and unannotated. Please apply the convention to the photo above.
h=8 m=32
